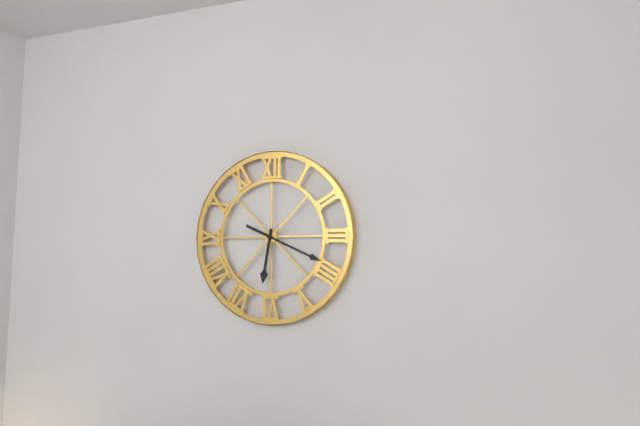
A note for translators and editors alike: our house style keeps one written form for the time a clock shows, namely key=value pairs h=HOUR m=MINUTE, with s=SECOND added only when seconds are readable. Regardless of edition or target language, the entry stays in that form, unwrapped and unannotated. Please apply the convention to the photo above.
h=6 m=19
